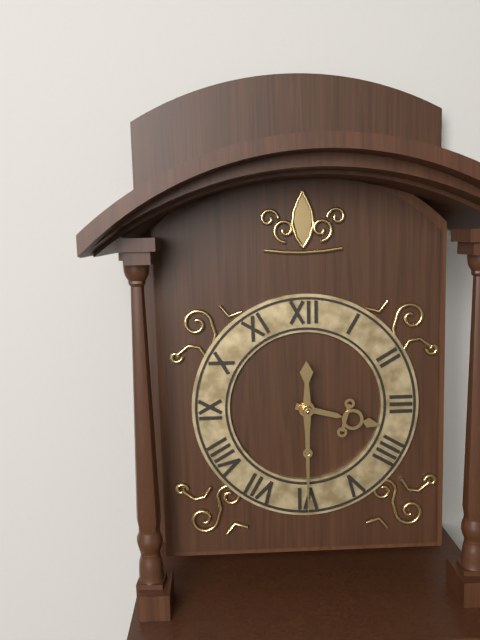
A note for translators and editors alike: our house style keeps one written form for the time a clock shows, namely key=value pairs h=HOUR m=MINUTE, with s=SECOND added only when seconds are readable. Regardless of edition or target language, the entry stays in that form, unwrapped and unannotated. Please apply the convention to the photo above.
h=3 m=30
